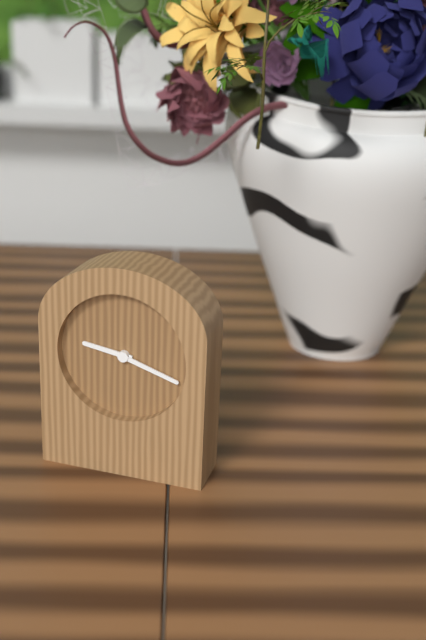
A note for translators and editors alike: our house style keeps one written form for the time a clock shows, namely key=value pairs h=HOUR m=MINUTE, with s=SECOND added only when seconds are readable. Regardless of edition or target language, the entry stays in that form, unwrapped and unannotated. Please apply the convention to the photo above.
h=9 m=18
